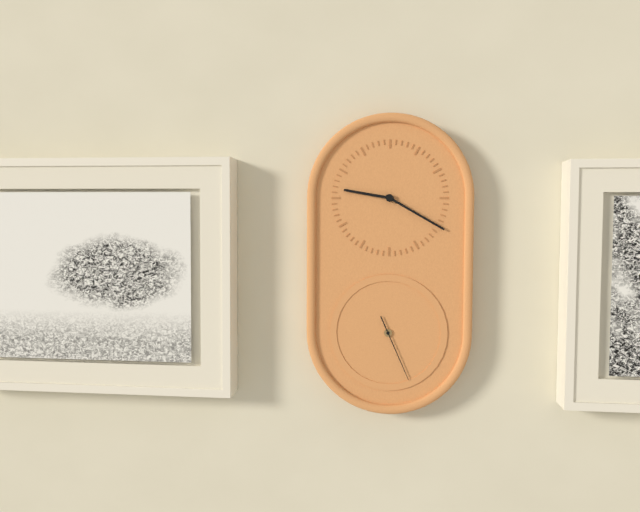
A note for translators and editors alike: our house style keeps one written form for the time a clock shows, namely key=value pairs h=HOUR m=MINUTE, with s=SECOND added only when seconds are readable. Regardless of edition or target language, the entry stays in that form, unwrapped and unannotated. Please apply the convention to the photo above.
h=9 m=20 s=26
